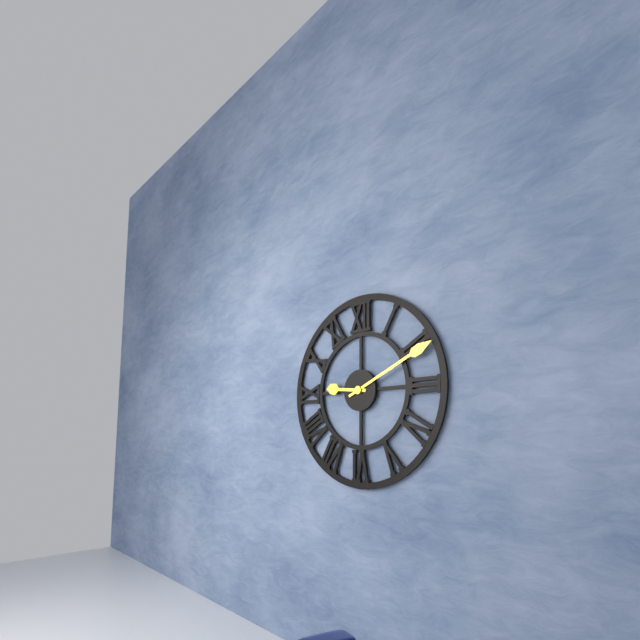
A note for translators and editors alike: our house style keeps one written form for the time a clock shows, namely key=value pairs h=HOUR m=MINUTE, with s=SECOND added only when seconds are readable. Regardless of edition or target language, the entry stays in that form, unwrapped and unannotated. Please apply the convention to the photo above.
h=9 m=11
